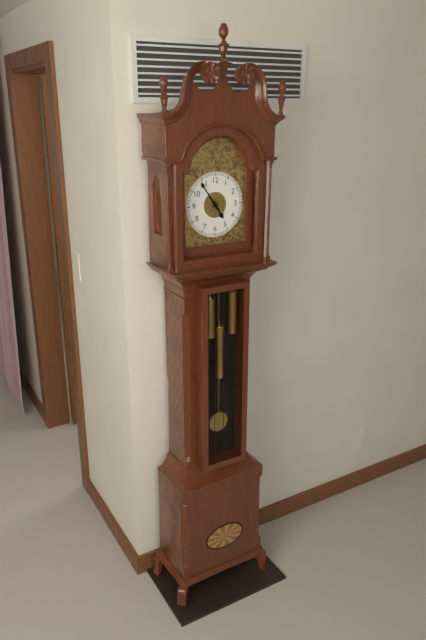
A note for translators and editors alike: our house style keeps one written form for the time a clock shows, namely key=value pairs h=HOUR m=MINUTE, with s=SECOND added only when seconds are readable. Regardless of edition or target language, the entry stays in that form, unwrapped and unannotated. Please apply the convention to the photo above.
h=4 m=54
